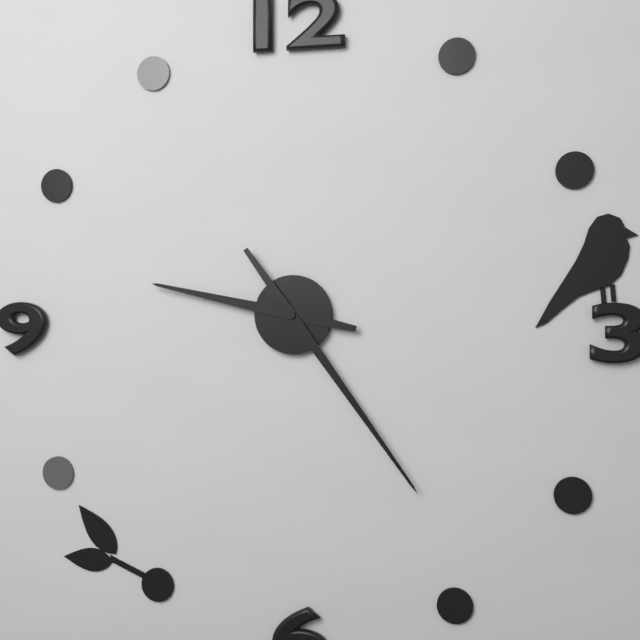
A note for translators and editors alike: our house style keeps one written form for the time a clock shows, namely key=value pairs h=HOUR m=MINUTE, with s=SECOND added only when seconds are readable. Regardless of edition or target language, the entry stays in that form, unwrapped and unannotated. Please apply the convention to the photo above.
h=9 m=24
